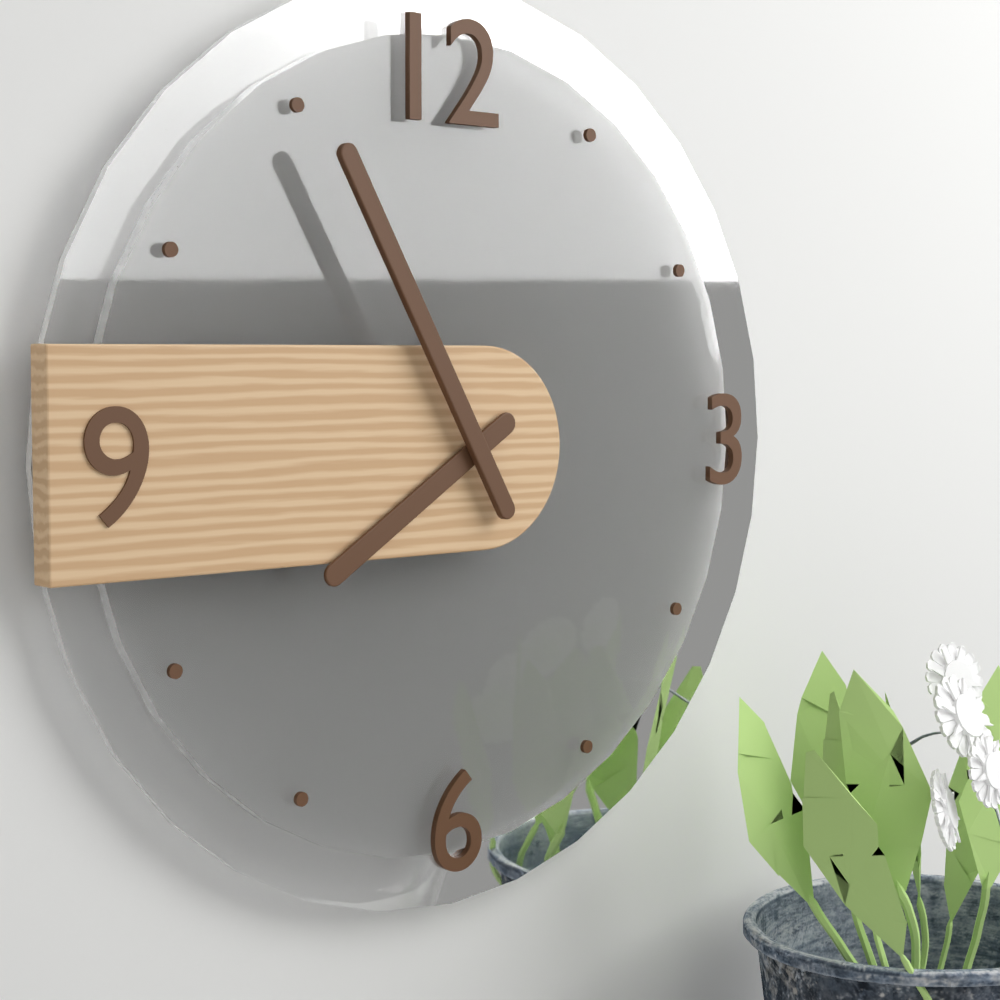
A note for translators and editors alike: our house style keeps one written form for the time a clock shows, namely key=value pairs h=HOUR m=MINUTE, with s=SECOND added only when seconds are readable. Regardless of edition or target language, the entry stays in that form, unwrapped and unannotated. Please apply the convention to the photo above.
h=7 m=55
